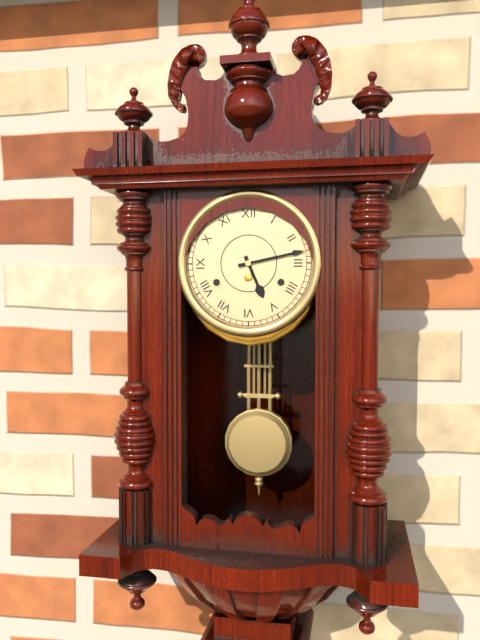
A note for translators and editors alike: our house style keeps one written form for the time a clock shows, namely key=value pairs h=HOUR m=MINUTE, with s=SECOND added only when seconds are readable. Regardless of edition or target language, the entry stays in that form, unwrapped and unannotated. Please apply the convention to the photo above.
h=5 m=13
